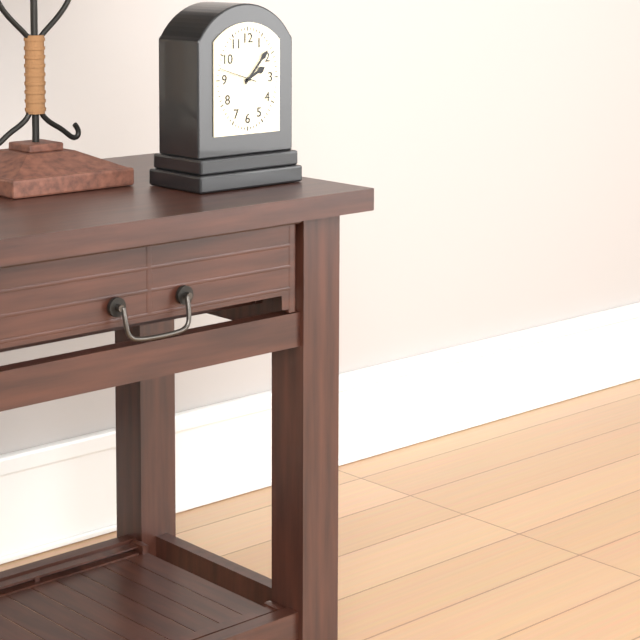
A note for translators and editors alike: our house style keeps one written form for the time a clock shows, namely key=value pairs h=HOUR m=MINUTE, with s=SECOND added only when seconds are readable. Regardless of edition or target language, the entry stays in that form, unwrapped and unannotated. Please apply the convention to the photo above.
h=2 m=7
